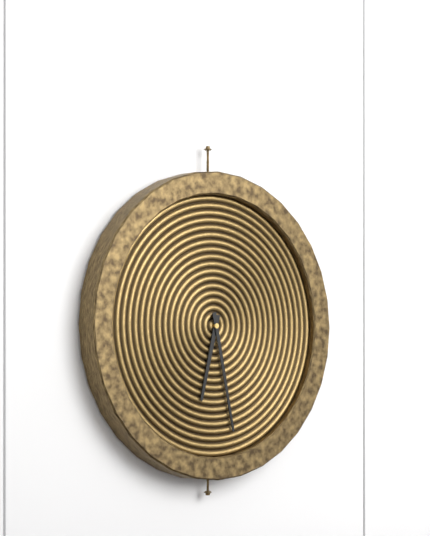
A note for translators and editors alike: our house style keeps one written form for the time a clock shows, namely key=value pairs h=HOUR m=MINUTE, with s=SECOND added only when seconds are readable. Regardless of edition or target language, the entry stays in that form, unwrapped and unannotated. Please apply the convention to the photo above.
h=6 m=28
